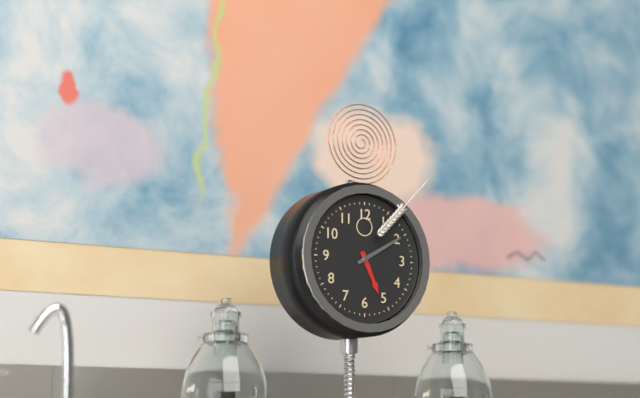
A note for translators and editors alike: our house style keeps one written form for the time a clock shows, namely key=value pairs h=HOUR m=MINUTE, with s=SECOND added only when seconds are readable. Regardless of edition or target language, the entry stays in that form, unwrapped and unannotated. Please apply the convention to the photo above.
h=5 m=10
